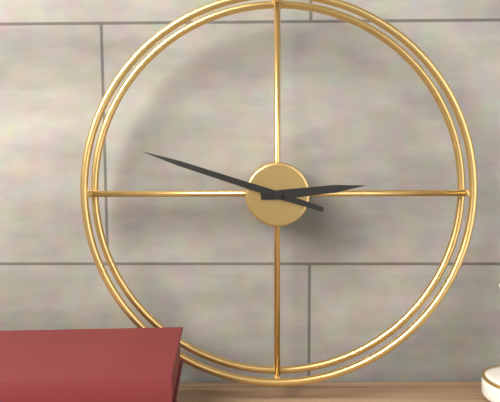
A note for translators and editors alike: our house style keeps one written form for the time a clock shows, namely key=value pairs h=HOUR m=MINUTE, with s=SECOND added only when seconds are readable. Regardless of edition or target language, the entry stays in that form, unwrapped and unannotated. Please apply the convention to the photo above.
h=2 m=48
